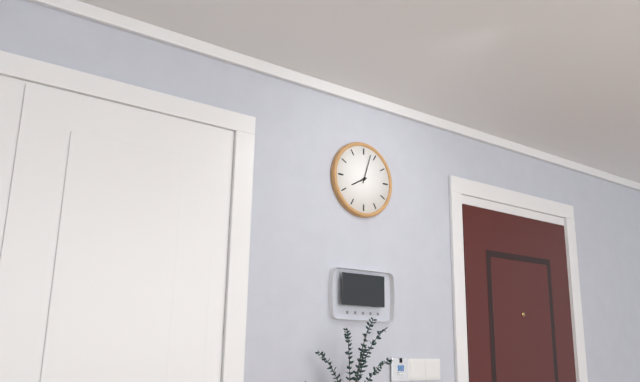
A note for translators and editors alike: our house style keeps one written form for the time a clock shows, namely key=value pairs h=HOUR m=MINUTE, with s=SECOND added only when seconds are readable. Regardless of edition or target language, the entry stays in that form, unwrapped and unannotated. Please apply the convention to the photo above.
h=8 m=3
